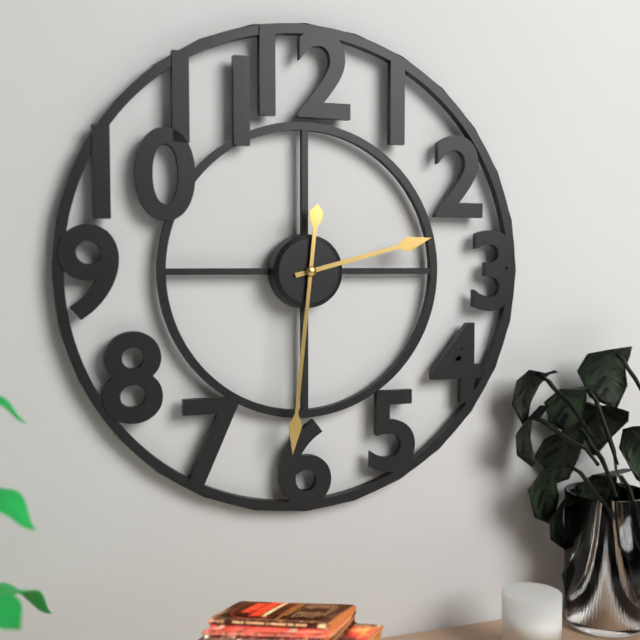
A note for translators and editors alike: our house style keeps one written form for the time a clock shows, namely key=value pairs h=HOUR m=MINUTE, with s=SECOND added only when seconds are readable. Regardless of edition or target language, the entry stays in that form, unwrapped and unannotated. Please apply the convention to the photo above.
h=2 m=31
